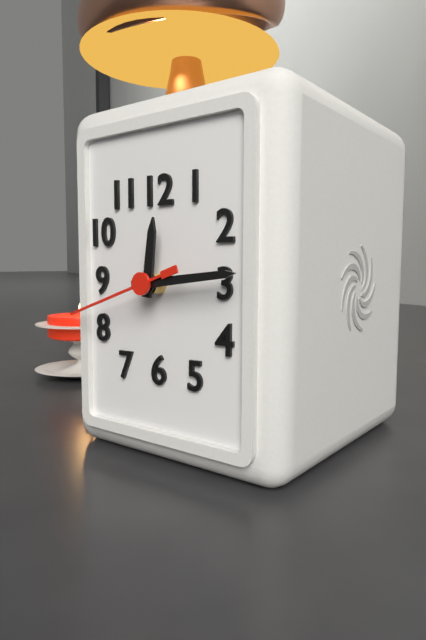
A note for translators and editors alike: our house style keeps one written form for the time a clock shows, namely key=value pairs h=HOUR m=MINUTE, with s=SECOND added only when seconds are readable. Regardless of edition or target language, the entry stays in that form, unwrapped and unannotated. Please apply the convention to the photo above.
h=12 m=14 s=42
